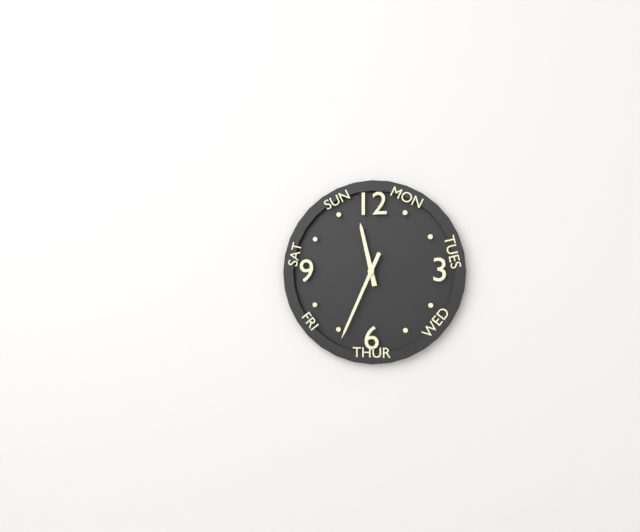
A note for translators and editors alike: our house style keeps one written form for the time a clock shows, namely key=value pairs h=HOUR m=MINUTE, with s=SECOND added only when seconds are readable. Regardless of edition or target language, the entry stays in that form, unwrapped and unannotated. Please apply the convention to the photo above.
h=11 m=34
